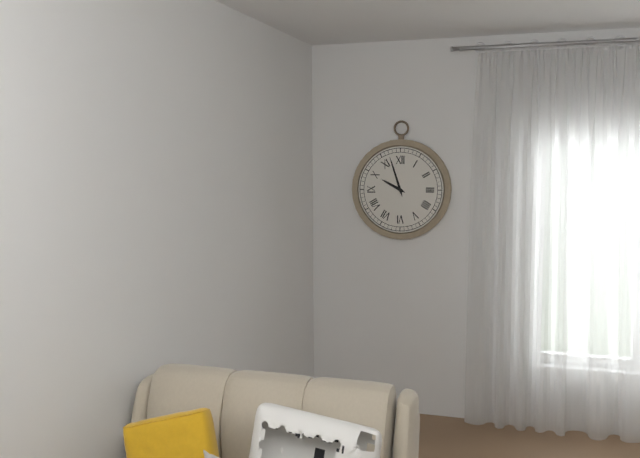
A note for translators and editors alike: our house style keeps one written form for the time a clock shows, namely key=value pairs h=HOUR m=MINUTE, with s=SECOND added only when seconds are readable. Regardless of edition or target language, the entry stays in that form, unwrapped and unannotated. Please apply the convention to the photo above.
h=9 m=57
